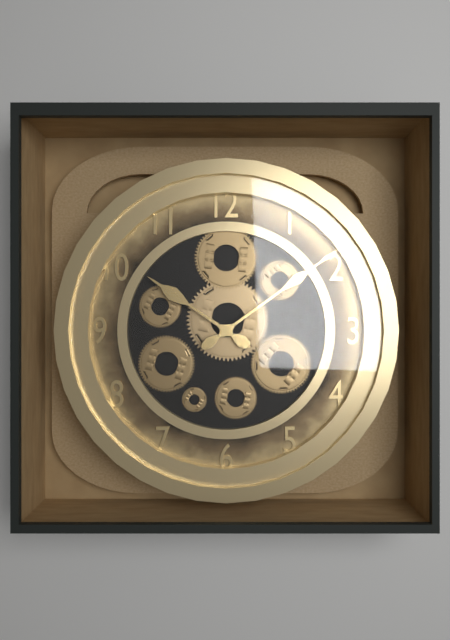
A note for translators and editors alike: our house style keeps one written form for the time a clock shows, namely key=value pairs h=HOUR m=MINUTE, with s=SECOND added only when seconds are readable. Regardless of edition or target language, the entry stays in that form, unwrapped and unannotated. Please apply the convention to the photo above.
h=10 m=9
